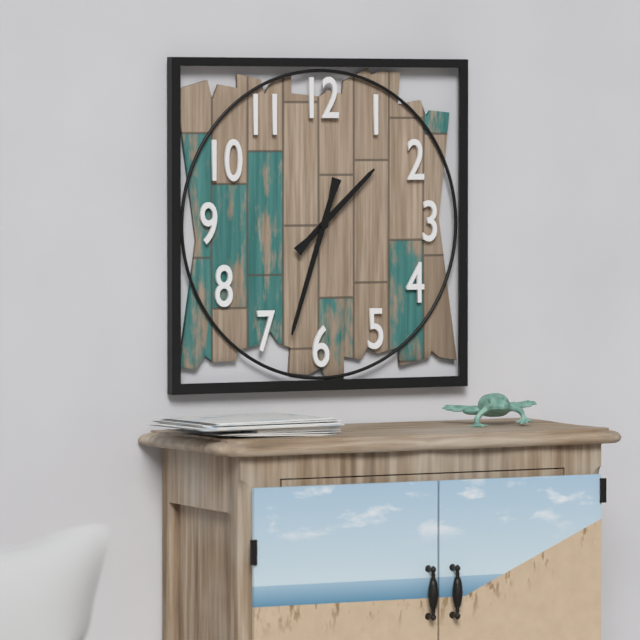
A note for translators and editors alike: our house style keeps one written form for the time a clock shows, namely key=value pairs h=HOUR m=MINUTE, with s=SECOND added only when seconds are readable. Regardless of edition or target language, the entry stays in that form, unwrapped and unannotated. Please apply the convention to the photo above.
h=1 m=33
